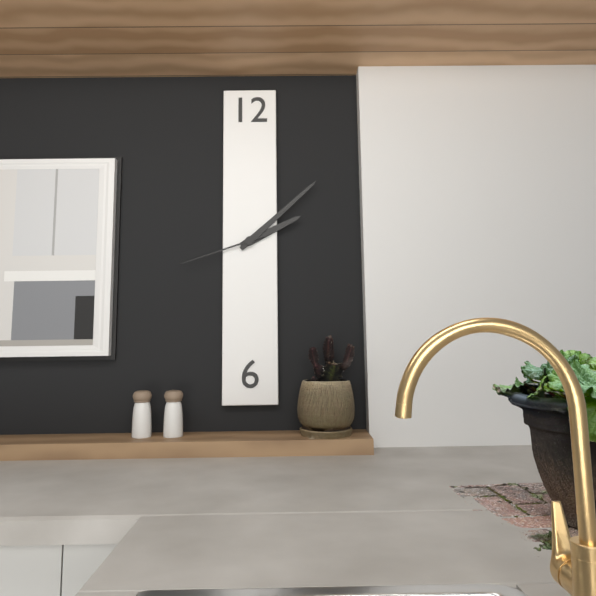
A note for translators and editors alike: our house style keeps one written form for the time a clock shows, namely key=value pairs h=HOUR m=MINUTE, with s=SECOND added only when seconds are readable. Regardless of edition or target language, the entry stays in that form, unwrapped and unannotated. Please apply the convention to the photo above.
h=2 m=8 s=42
